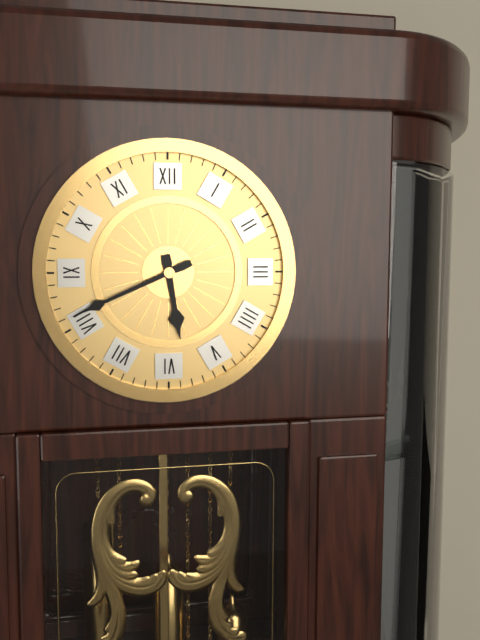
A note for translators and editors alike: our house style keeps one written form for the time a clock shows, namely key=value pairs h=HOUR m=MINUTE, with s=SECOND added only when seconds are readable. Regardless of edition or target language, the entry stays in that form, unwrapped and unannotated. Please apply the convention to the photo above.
h=5 m=41
